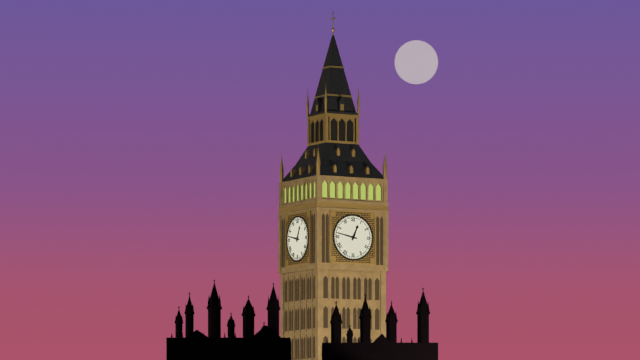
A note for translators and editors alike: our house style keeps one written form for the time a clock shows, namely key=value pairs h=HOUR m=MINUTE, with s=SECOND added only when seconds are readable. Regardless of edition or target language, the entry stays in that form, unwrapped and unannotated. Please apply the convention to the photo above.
h=12 m=47
